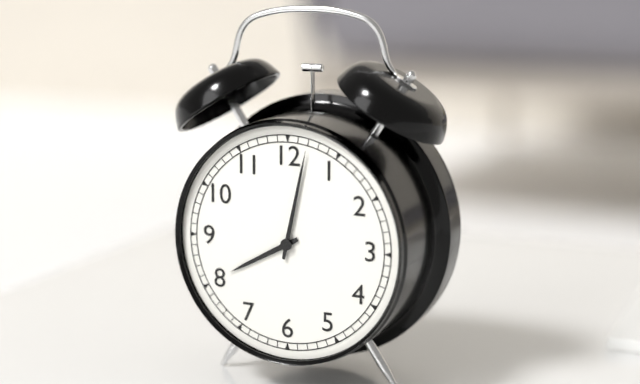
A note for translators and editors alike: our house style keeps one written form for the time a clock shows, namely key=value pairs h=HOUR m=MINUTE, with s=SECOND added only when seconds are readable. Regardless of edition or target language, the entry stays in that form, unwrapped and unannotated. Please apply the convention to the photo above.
h=8 m=2
